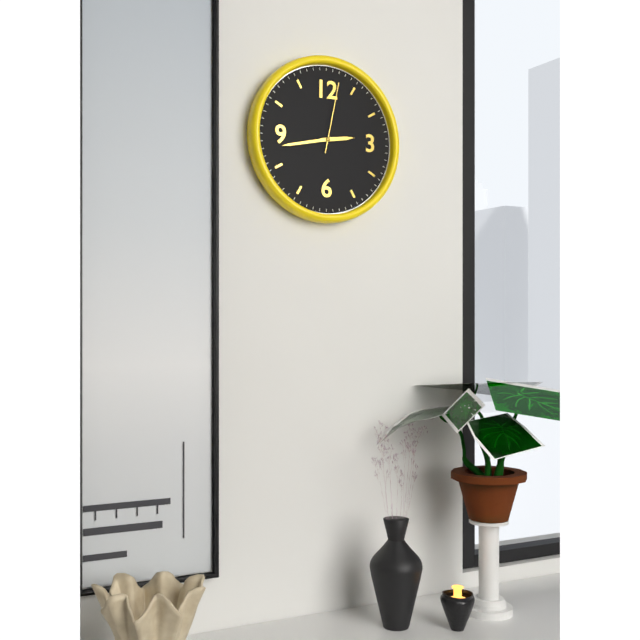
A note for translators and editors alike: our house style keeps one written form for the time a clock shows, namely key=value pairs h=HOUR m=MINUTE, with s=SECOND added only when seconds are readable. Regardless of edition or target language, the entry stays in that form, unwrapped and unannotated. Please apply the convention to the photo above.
h=2 m=43 s=2
